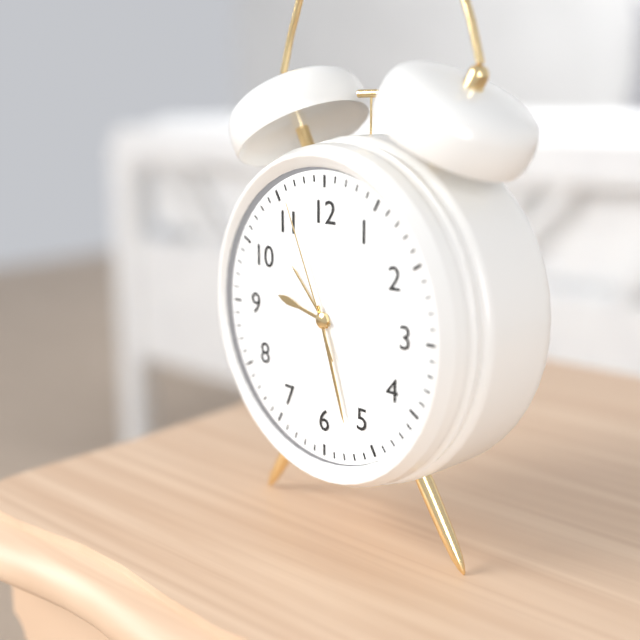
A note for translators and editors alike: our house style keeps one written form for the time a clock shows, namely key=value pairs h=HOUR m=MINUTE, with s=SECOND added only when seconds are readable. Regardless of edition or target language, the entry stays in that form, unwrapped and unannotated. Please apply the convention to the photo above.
h=9 m=27 s=56
